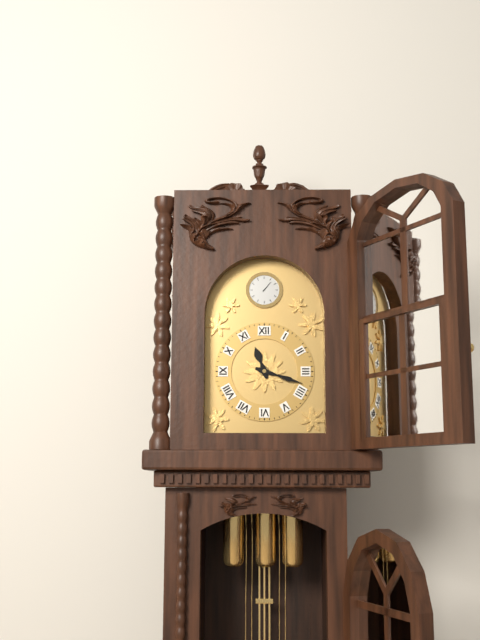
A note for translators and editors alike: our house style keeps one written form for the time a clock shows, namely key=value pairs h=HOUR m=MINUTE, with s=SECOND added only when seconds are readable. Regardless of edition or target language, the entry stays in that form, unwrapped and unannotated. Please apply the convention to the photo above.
h=11 m=18
